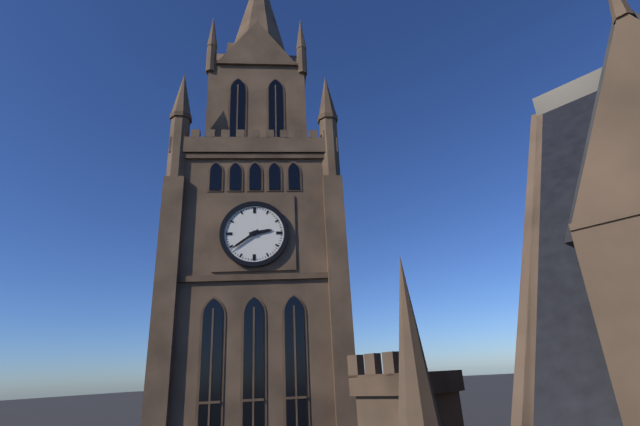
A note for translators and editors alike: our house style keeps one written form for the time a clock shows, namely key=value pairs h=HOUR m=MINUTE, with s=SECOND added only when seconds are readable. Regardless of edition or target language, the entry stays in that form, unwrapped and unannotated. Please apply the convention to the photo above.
h=2 m=39
